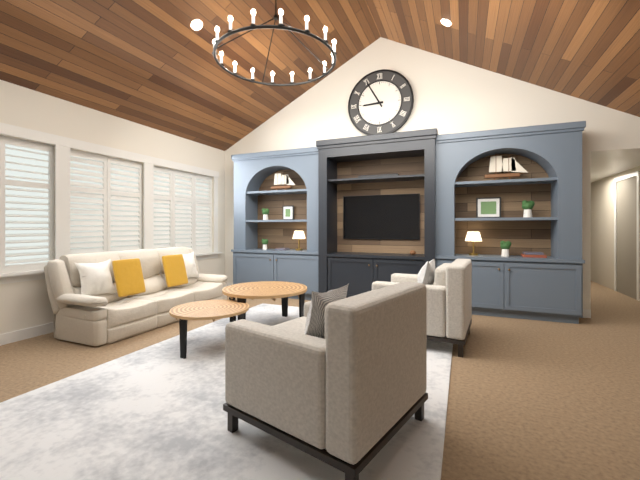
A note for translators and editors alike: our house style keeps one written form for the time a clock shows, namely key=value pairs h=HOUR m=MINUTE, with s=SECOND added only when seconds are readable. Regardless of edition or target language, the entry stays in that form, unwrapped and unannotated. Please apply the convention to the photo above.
h=8 m=55
